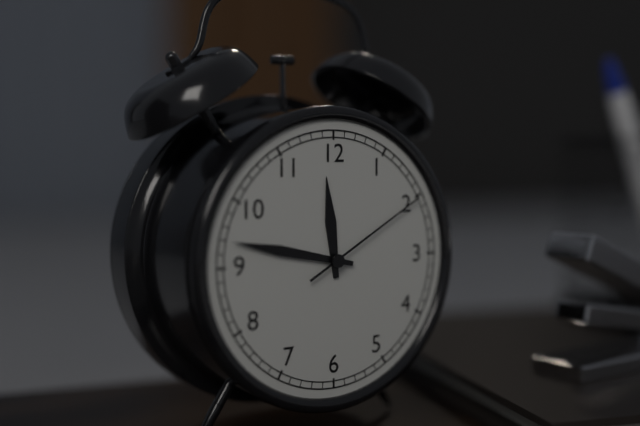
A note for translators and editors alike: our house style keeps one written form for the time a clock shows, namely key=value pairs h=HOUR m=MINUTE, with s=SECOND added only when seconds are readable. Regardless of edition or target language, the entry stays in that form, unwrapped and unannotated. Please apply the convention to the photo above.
h=11 m=47 s=10
